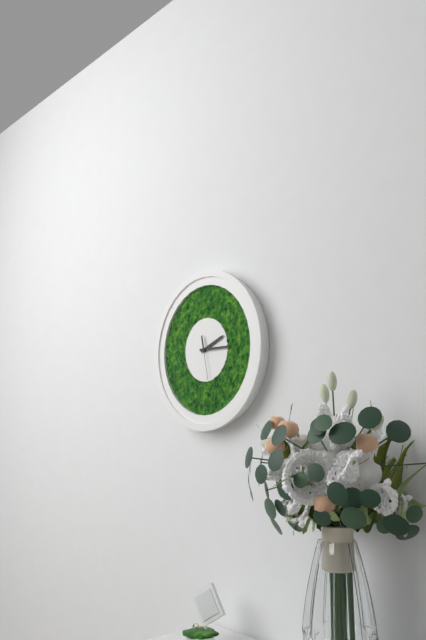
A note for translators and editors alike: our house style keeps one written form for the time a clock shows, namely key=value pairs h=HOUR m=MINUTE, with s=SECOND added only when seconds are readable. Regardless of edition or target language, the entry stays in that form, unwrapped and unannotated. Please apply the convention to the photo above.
h=2 m=15
